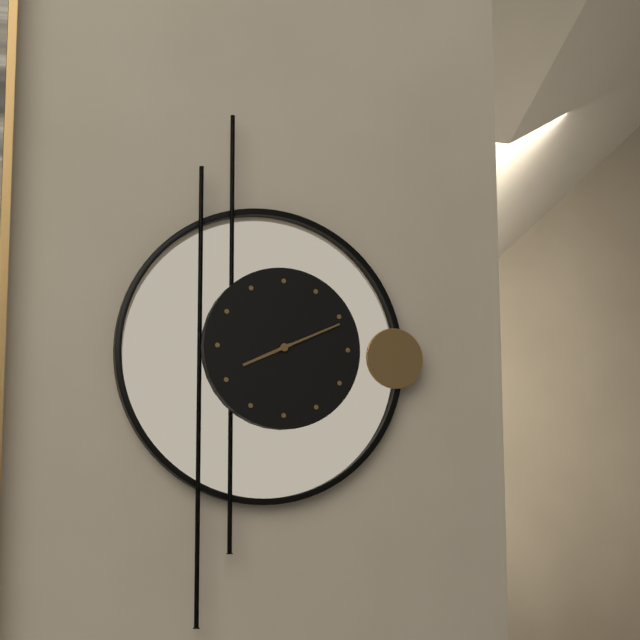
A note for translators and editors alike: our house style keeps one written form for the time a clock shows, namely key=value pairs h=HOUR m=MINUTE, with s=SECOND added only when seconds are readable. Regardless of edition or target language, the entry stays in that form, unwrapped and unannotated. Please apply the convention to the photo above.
h=8 m=11
